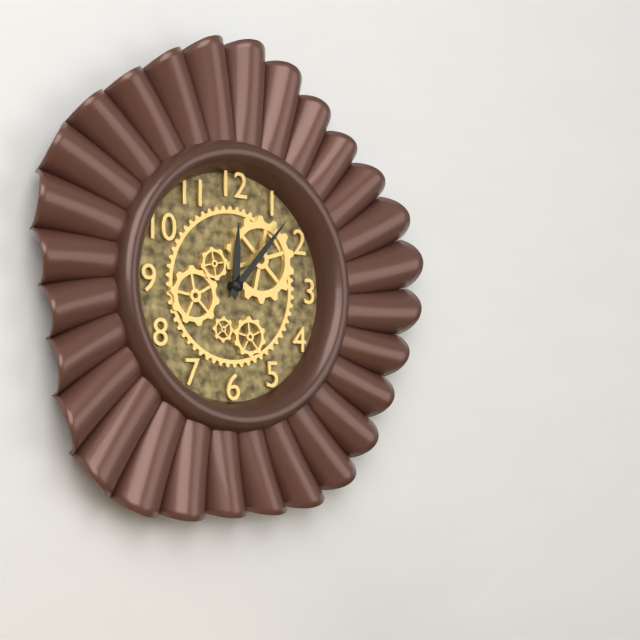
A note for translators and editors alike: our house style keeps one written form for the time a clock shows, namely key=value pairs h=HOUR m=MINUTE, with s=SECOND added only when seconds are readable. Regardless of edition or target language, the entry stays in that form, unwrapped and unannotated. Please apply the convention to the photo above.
h=12 m=7
